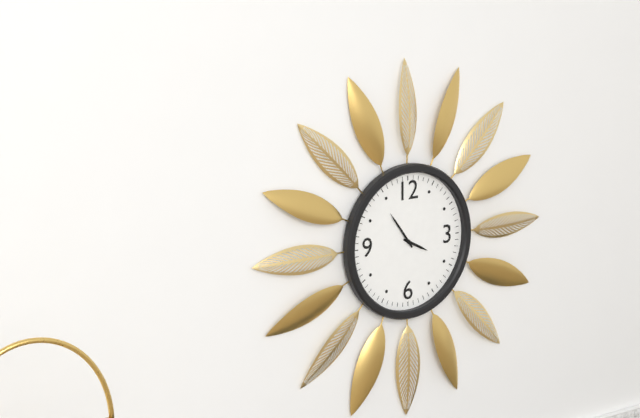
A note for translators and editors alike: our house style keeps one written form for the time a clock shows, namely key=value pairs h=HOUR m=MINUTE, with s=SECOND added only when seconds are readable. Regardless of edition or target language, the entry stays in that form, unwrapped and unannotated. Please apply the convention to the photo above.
h=3 m=54
